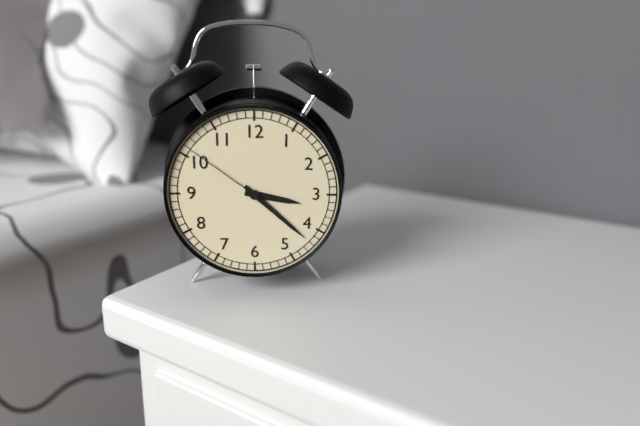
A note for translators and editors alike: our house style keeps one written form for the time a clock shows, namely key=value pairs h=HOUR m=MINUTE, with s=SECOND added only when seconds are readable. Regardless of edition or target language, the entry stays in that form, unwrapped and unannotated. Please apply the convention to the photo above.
h=3 m=22 s=51
